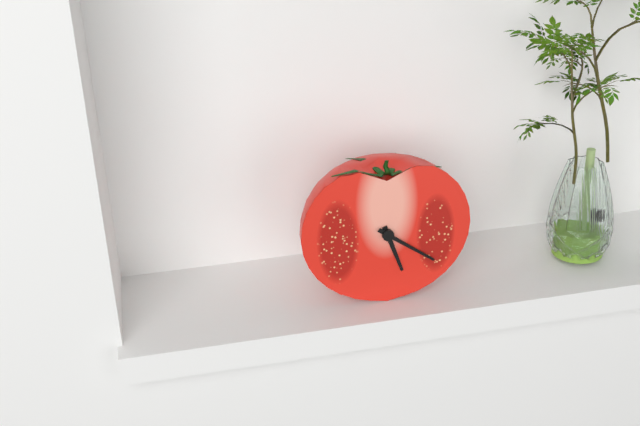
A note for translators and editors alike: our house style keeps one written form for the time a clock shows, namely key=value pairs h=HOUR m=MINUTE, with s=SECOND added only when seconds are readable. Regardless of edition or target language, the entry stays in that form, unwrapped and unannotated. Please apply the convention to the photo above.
h=5 m=21
